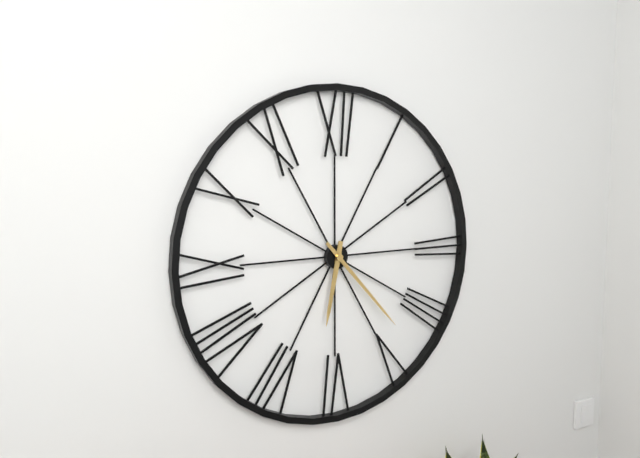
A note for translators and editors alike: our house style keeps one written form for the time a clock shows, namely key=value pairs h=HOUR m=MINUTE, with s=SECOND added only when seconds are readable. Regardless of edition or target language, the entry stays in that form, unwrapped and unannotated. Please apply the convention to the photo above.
h=6 m=23
